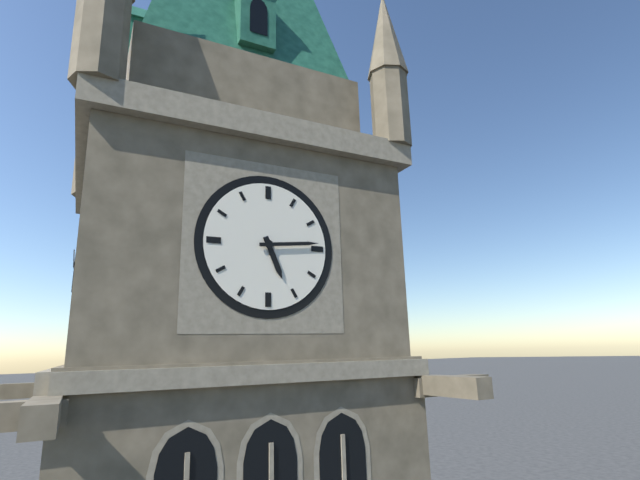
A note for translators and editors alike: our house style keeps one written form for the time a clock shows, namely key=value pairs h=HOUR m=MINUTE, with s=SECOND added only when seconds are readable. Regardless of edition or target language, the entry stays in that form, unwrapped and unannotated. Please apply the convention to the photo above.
h=5 m=14
